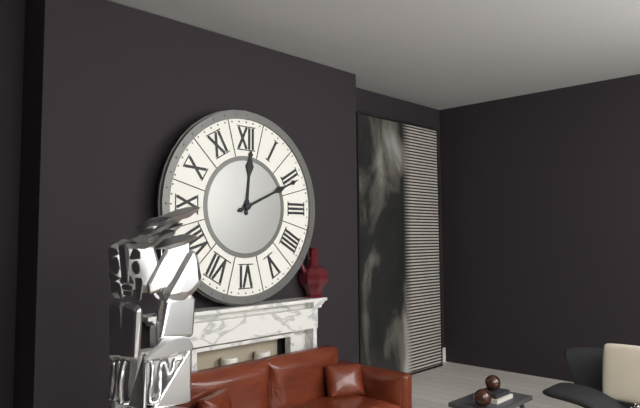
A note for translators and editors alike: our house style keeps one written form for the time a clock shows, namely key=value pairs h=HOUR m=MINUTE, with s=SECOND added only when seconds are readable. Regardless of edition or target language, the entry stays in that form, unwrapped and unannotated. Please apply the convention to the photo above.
h=12 m=11
